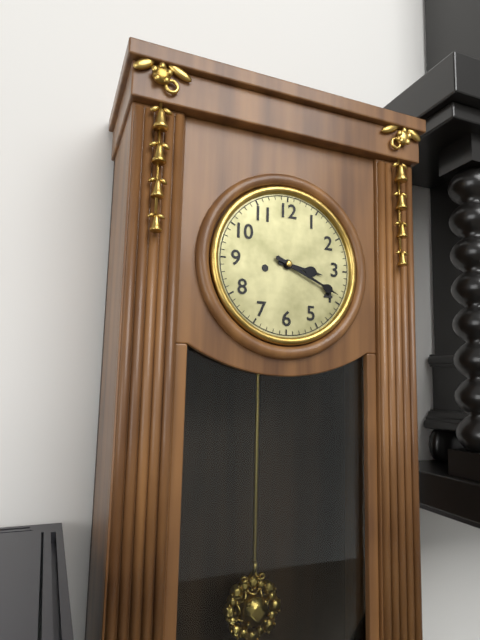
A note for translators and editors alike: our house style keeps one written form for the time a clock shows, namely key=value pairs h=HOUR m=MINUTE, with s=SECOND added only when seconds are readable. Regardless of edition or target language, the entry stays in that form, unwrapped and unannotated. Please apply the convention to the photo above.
h=3 m=19
